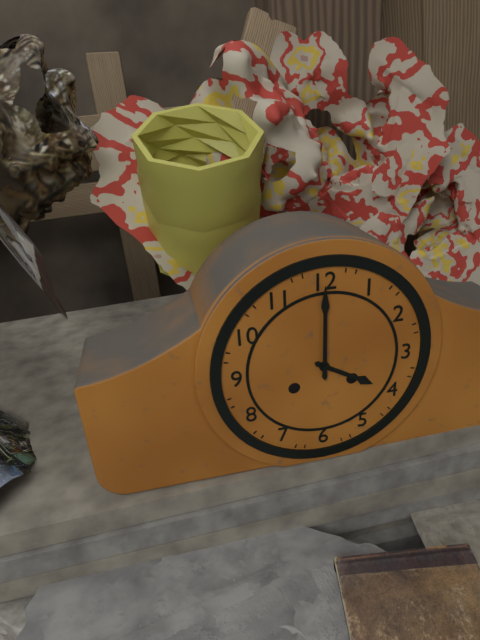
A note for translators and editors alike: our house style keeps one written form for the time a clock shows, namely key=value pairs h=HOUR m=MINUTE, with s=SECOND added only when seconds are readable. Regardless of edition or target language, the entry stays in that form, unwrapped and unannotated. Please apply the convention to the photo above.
h=4 m=0
